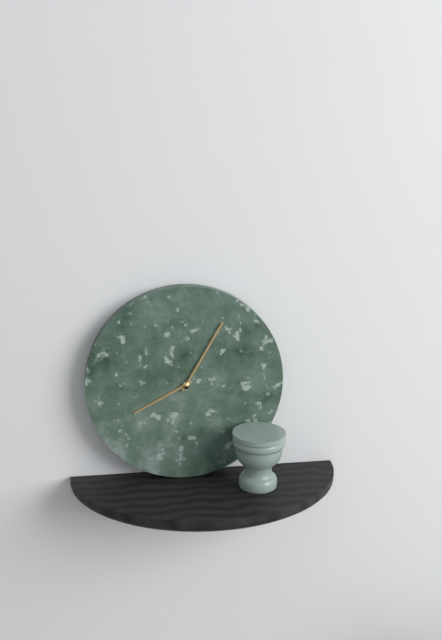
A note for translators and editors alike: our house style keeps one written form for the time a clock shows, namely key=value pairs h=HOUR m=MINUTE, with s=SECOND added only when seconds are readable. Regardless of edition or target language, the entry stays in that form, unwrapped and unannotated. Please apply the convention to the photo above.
h=8 m=5
